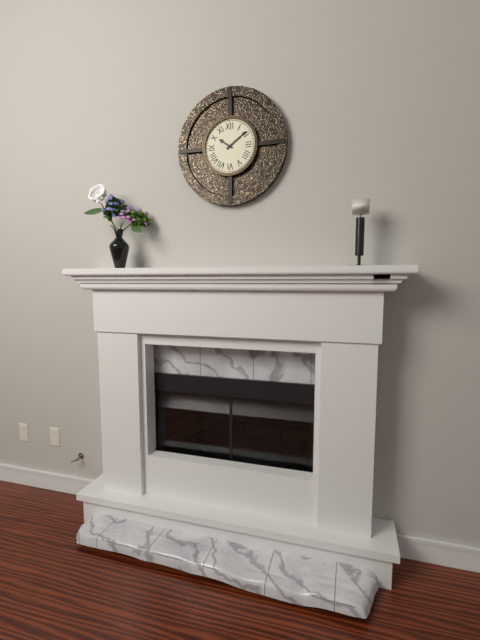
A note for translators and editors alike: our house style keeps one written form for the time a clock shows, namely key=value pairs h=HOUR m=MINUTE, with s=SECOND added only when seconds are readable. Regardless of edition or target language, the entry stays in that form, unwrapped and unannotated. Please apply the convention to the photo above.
h=10 m=9
